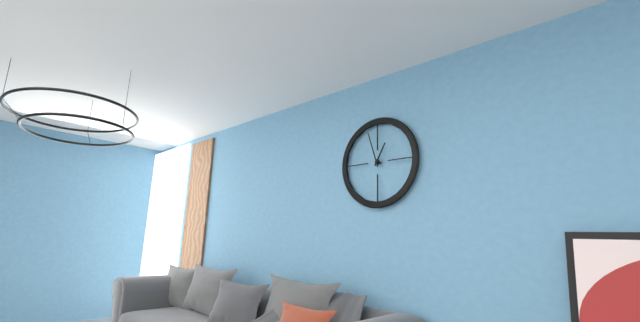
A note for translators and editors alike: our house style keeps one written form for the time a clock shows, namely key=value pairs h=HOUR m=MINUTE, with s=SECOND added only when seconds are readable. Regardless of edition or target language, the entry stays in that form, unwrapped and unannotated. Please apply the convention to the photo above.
h=12 m=57
